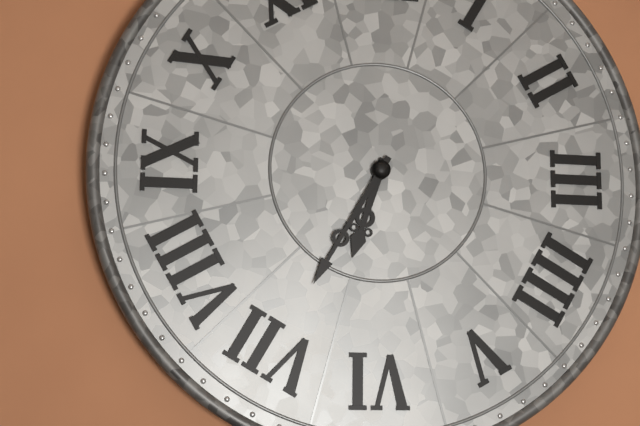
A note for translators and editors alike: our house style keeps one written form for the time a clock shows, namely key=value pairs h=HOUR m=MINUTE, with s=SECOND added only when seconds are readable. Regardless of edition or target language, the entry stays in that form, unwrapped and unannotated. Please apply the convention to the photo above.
h=6 m=35
